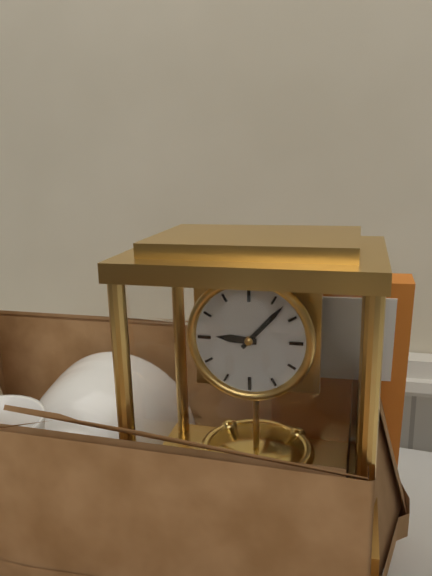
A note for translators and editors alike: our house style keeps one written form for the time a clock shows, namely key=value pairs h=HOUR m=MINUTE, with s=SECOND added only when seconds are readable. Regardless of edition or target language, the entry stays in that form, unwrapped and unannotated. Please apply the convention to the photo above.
h=9 m=7
